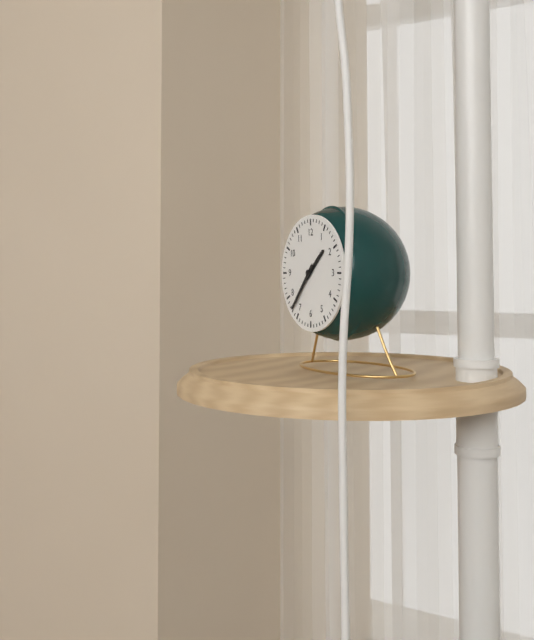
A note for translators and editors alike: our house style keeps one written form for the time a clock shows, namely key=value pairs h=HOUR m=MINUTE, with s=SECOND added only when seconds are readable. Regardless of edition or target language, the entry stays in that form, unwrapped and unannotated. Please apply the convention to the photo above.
h=1 m=37
